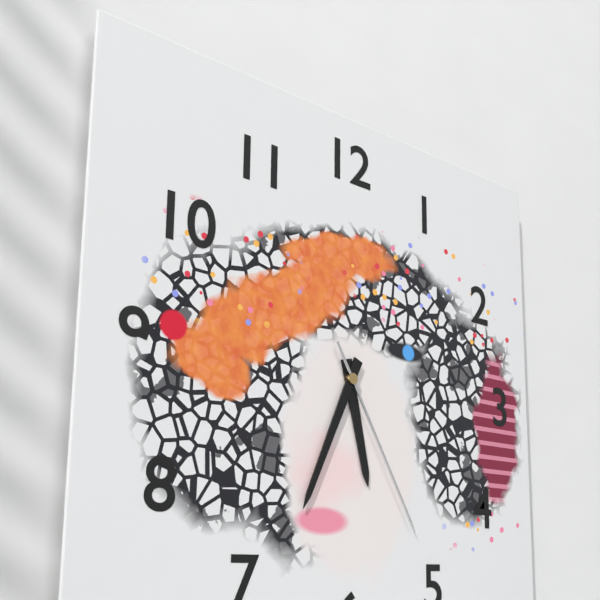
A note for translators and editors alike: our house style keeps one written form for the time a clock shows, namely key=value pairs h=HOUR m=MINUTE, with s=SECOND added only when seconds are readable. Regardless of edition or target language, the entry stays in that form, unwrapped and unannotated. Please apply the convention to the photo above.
h=5 m=34 s=25
